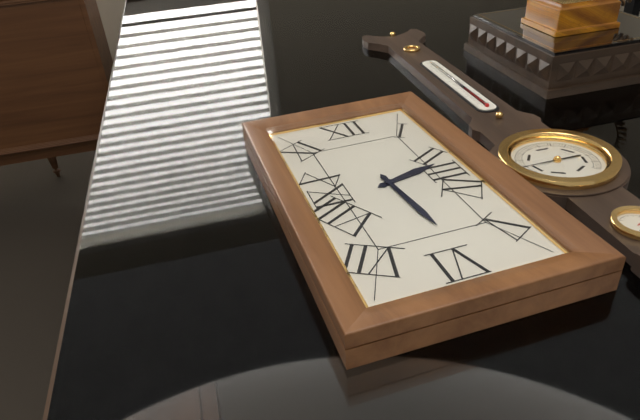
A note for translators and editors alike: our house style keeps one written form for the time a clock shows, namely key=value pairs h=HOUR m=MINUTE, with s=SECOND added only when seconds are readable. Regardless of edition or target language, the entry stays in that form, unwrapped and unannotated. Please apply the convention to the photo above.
h=2 m=29
